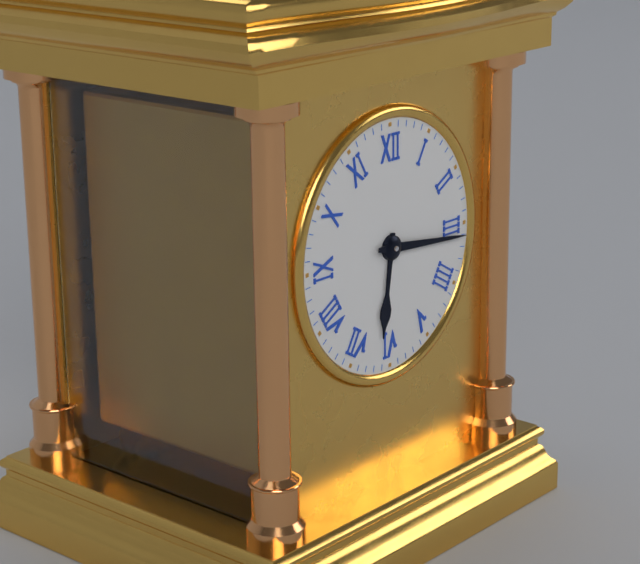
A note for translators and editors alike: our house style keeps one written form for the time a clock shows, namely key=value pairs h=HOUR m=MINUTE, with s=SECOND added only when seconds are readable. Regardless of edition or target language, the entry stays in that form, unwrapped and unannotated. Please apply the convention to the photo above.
h=6 m=16
